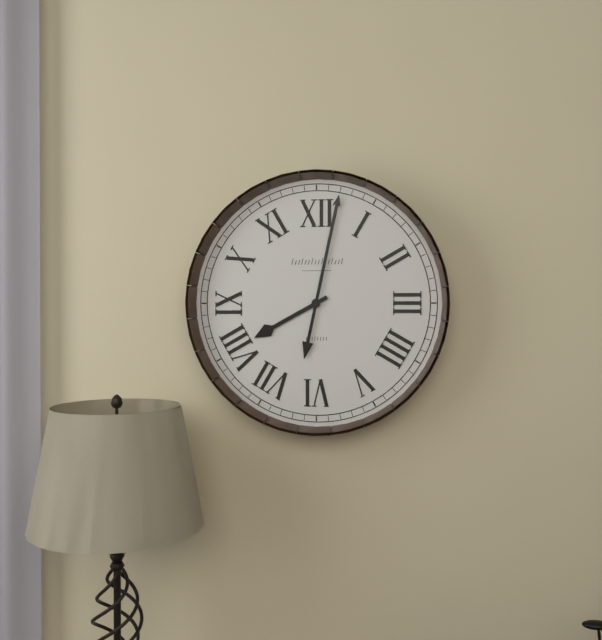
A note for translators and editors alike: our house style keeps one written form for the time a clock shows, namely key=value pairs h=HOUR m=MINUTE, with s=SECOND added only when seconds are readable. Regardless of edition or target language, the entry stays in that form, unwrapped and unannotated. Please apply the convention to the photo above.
h=8 m=2
